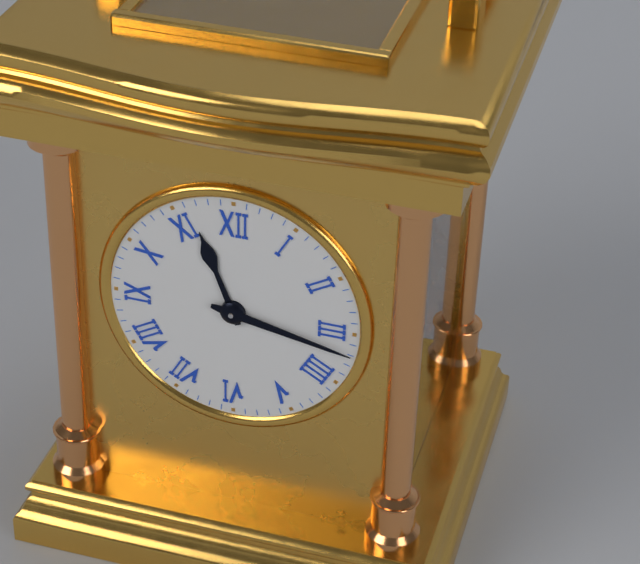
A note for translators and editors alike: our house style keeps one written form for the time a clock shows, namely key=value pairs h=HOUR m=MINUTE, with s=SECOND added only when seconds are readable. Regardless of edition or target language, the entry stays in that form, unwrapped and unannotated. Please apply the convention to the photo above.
h=11 m=17
